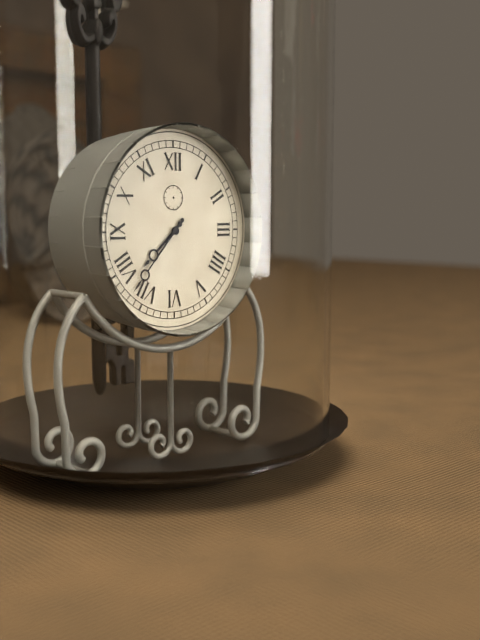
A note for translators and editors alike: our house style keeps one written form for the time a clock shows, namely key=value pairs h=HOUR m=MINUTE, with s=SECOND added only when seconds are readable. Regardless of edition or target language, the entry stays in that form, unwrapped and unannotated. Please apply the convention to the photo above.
h=7 m=37
